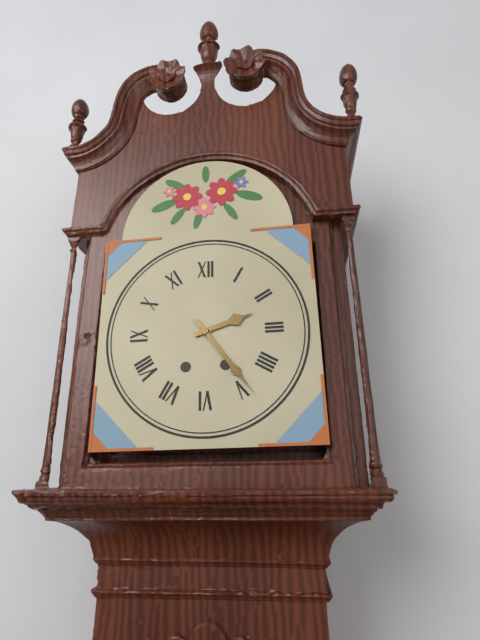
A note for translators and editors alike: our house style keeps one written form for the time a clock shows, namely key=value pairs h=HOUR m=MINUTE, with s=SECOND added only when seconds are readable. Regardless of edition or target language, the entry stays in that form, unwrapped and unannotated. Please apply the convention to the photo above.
h=2 m=24
